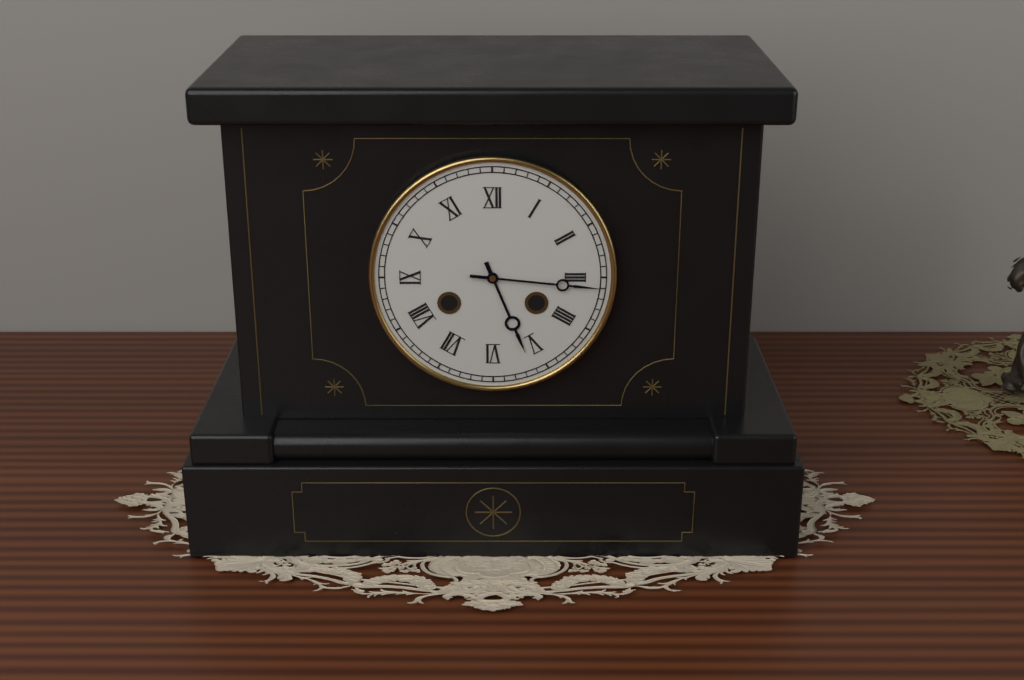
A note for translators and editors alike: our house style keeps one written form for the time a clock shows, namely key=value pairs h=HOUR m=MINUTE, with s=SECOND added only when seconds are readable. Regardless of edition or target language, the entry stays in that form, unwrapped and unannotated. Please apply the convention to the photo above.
h=5 m=16
